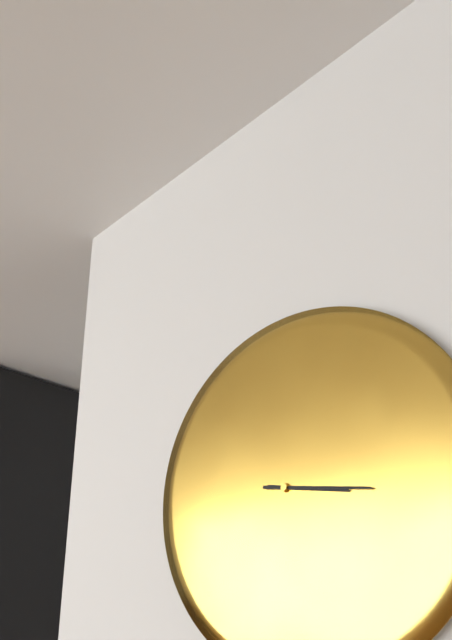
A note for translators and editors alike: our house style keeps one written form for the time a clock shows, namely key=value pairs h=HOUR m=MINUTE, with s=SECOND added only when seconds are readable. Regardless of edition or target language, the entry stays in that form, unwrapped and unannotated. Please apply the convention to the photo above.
h=3 m=16
